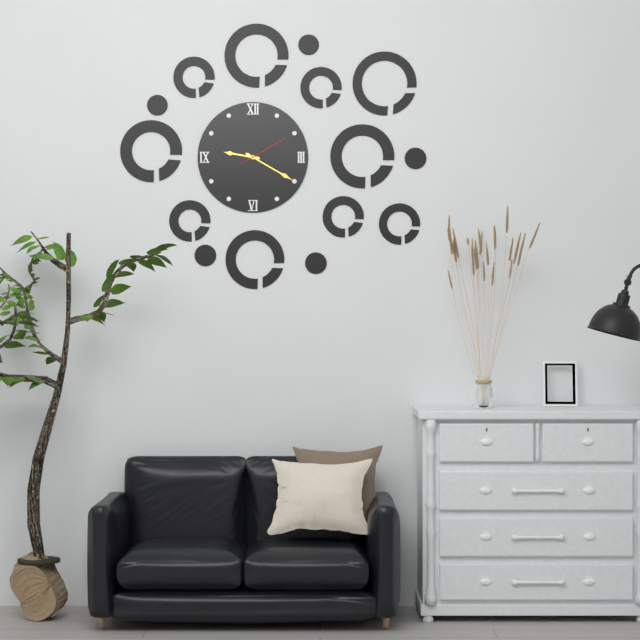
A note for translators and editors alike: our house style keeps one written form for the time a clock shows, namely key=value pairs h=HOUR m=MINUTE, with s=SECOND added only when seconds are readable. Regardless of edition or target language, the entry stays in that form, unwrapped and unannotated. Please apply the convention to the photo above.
h=9 m=20
